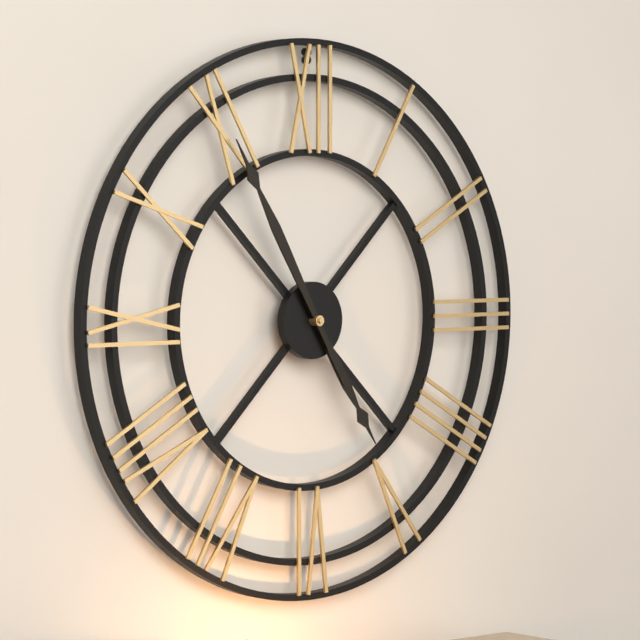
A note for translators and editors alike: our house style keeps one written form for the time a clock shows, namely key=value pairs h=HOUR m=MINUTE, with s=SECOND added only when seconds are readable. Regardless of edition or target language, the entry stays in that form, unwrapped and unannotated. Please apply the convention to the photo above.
h=4 m=55
